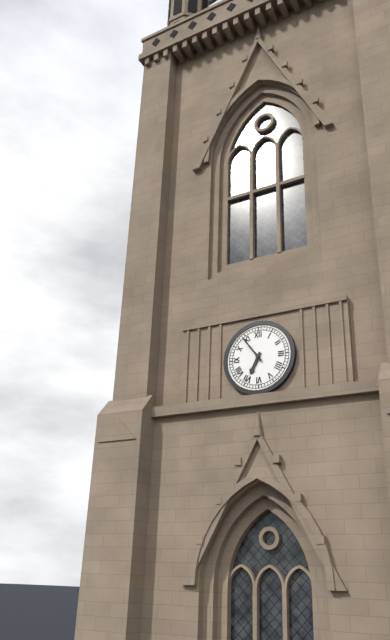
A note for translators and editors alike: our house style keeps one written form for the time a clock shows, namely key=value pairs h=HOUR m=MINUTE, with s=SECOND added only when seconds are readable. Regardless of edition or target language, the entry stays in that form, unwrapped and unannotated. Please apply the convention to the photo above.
h=6 m=54
